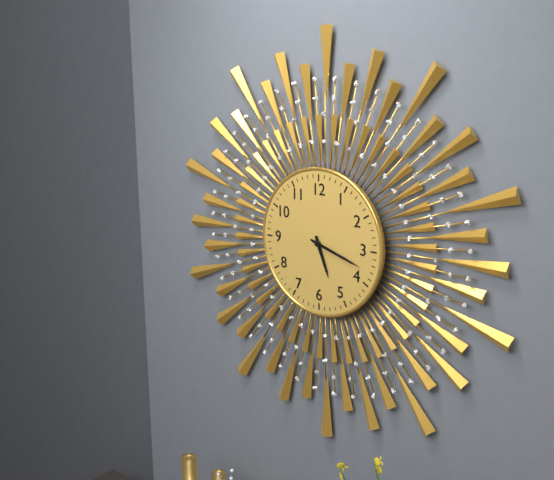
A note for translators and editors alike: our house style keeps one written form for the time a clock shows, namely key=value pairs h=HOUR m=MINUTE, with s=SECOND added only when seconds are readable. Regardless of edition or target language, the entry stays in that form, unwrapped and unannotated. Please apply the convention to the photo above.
h=5 m=18
